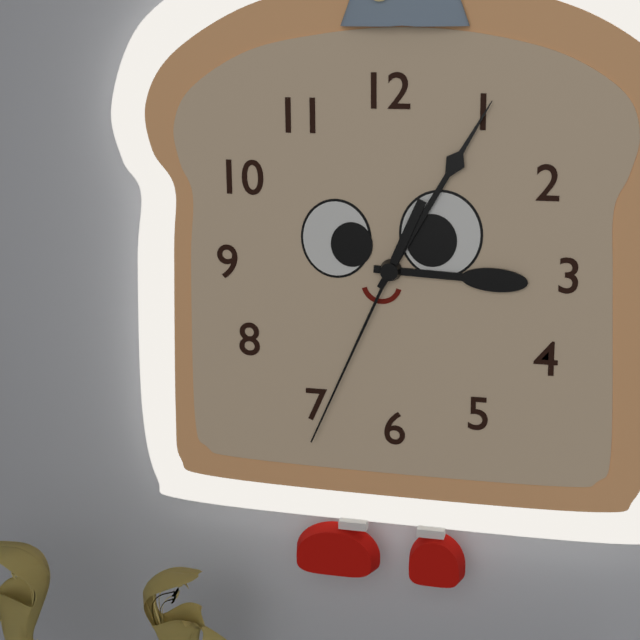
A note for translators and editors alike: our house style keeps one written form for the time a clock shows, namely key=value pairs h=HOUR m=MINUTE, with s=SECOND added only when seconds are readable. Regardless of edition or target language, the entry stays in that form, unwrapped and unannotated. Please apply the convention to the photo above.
h=3 m=5 s=34
